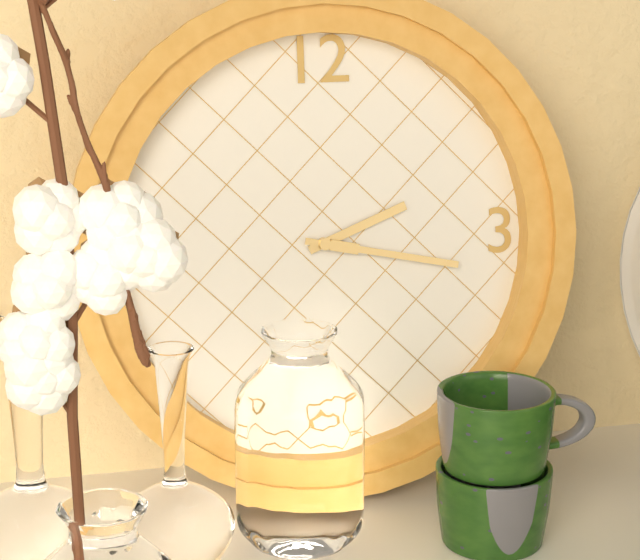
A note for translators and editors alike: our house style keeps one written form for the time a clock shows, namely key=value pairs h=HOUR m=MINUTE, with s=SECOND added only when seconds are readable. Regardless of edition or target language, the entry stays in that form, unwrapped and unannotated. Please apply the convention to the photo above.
h=2 m=17
